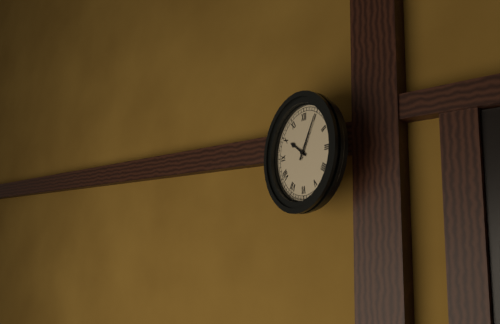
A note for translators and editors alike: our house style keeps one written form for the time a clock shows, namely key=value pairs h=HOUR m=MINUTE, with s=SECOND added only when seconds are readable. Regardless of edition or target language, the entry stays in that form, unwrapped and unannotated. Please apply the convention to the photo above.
h=10 m=5
